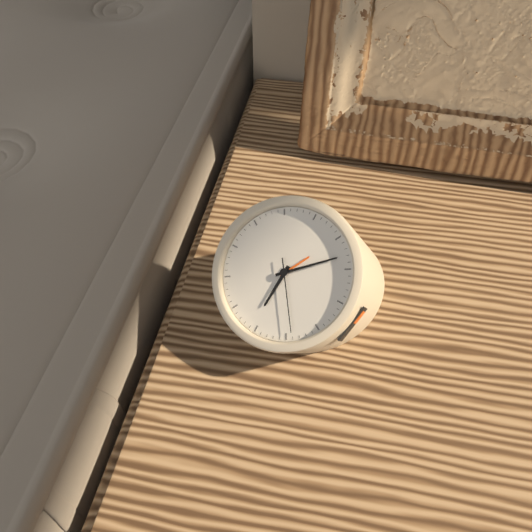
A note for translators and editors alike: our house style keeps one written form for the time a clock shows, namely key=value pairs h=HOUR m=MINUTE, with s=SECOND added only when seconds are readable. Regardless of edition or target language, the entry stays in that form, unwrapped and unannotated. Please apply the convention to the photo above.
h=6 m=8 s=24
